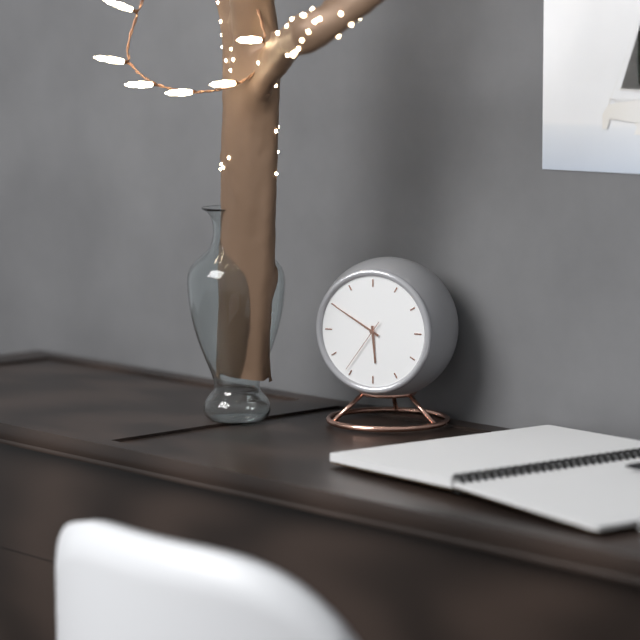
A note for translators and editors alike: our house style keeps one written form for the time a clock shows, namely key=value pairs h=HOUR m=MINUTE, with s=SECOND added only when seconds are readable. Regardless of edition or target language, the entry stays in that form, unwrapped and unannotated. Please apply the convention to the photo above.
h=5 m=50 s=36
